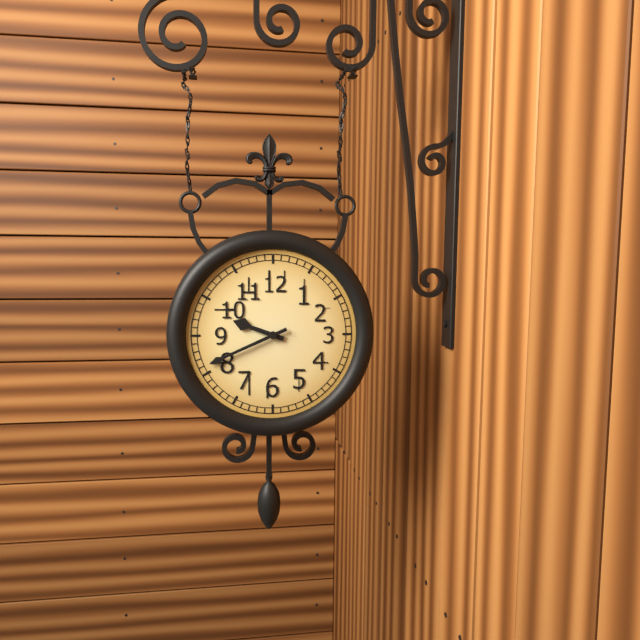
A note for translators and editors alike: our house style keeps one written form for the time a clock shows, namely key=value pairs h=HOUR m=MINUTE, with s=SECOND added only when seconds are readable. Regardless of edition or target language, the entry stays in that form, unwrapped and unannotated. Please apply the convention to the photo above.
h=9 m=41
